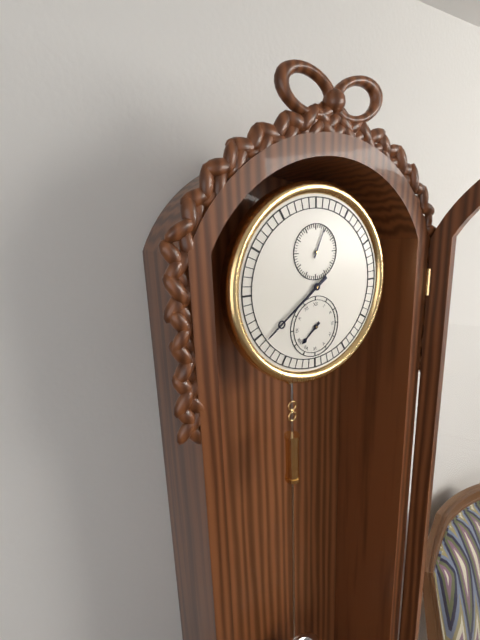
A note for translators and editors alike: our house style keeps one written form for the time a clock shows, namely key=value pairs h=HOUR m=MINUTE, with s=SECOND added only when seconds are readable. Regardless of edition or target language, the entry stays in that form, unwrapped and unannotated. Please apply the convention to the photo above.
h=7 m=39
